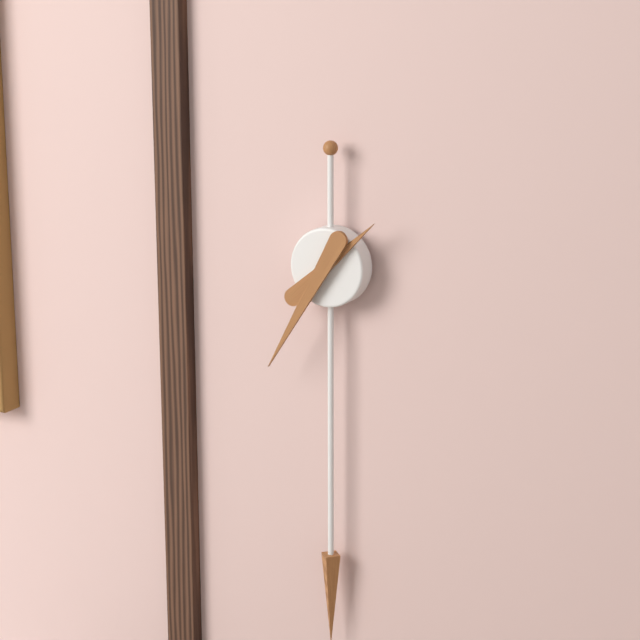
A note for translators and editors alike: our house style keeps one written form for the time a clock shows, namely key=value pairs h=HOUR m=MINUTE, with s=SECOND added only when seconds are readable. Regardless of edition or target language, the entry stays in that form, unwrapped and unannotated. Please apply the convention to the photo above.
h=1 m=35
